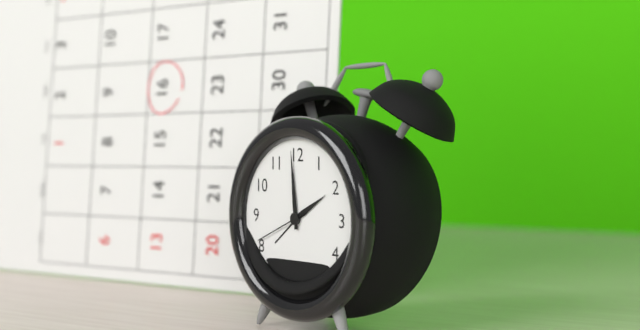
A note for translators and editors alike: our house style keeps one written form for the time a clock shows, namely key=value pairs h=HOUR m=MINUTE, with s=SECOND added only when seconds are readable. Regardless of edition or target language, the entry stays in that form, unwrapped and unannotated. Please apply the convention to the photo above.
h=1 m=59 s=41
